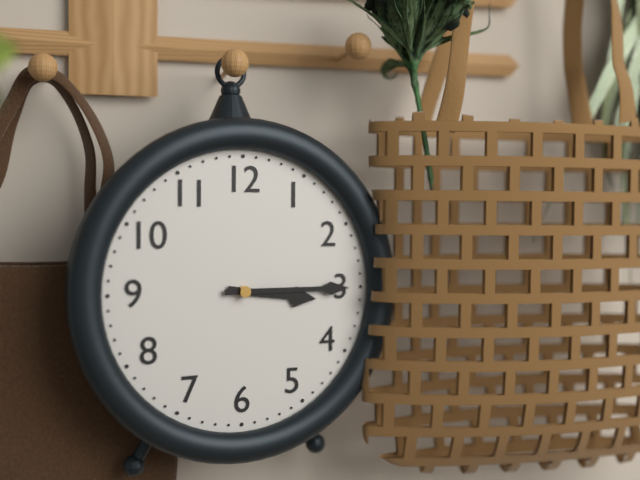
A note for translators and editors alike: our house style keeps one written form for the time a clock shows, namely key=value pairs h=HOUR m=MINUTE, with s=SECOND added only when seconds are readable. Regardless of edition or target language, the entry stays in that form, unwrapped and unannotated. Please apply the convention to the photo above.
h=3 m=15
